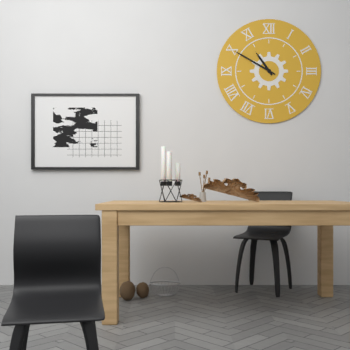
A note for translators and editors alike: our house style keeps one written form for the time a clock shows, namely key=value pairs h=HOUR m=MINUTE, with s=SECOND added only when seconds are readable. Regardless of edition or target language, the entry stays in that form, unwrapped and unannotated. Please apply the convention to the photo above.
h=10 m=50
